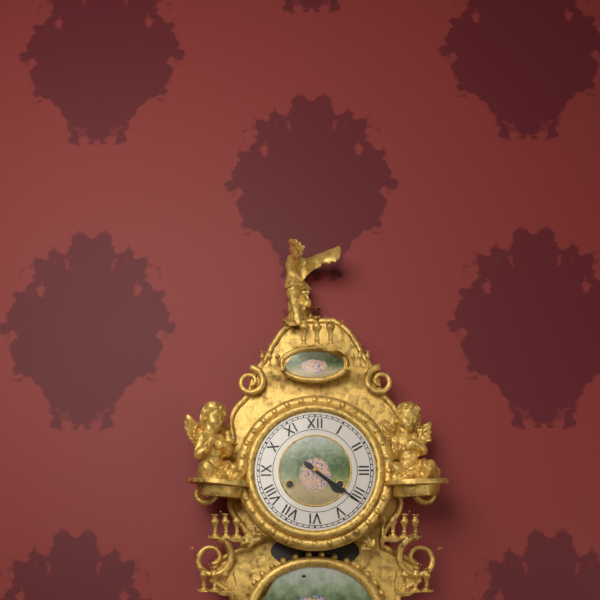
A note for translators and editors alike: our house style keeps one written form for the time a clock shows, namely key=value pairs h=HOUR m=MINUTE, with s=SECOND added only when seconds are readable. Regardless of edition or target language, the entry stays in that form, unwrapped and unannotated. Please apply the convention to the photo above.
h=4 m=21
